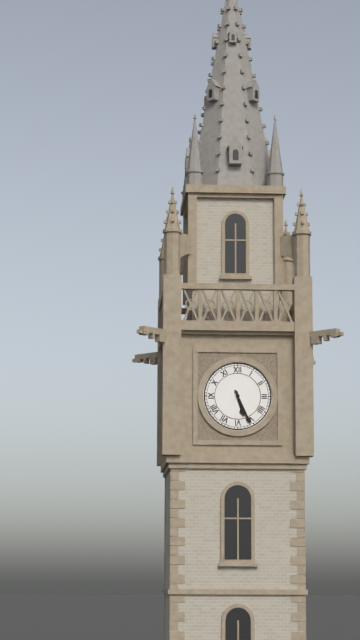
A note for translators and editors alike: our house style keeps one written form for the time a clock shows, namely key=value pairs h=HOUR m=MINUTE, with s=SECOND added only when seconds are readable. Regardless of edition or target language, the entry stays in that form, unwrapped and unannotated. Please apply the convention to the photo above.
h=5 m=26
